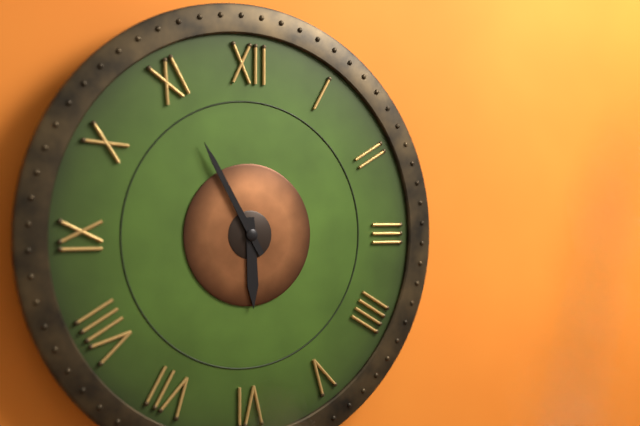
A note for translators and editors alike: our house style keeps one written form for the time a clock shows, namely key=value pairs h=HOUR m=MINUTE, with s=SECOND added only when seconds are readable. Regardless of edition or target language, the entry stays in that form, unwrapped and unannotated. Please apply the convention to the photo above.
h=5 m=55
